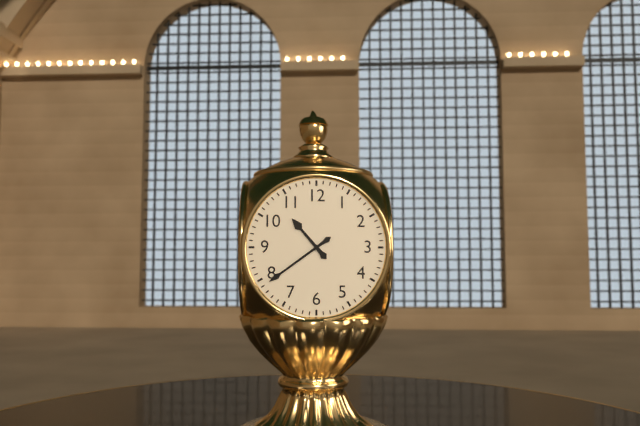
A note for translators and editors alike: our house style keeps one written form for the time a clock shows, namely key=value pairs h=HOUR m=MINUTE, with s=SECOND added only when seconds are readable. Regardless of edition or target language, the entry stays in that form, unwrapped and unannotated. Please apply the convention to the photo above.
h=10 m=39
